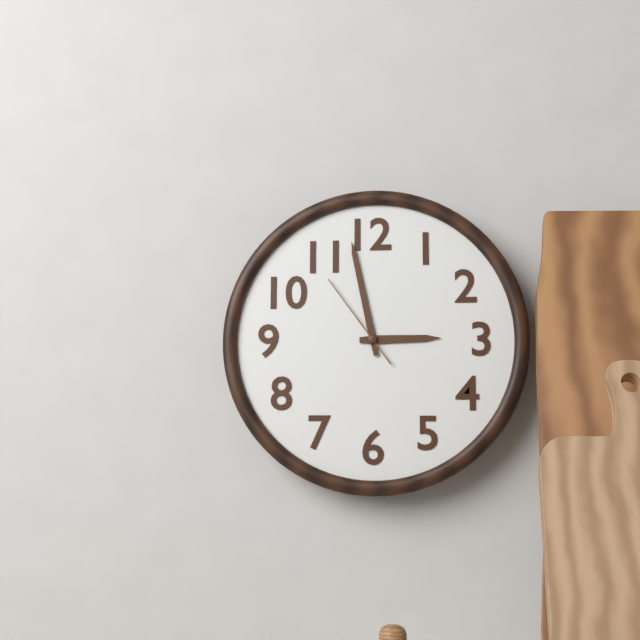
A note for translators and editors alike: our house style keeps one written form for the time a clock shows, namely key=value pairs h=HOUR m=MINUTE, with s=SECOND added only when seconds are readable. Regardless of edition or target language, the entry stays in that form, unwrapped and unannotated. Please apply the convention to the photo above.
h=2 m=58 s=54
